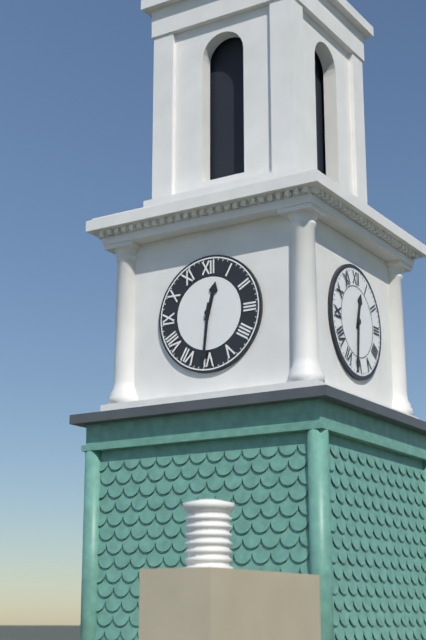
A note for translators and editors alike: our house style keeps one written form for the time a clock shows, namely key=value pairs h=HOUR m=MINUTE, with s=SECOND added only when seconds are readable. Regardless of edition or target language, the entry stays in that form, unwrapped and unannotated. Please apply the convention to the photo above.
h=12 m=31
